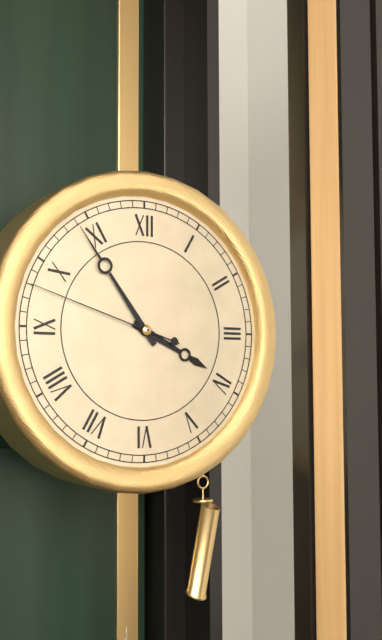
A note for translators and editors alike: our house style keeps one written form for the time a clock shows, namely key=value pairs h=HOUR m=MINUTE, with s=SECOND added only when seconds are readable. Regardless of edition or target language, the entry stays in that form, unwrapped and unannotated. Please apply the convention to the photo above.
h=3 m=54 s=48
